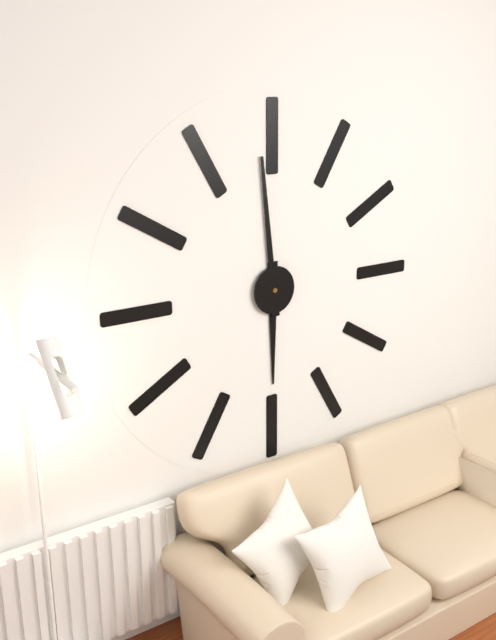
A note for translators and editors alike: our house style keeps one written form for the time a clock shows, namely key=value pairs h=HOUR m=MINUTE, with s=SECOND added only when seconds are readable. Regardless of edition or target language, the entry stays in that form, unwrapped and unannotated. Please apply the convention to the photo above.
h=5 m=59
